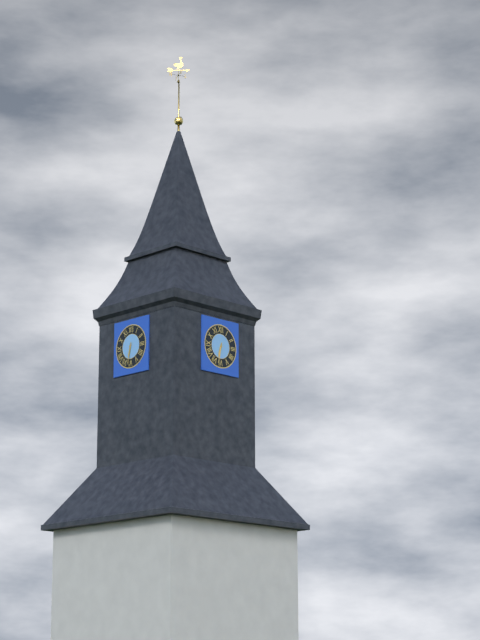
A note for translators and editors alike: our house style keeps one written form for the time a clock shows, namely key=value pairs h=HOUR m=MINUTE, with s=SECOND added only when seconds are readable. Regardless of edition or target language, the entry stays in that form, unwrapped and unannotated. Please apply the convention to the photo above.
h=6 m=32
